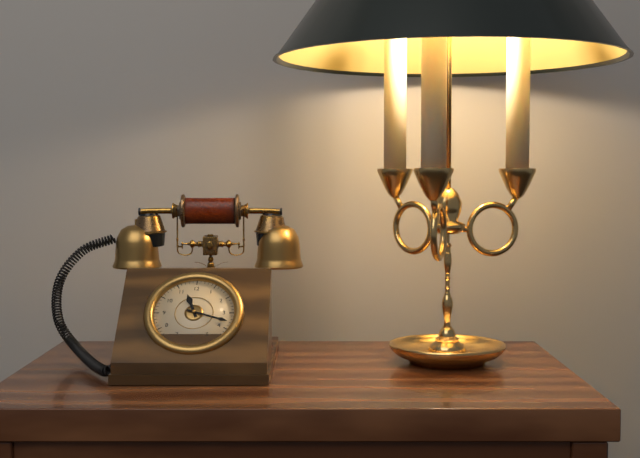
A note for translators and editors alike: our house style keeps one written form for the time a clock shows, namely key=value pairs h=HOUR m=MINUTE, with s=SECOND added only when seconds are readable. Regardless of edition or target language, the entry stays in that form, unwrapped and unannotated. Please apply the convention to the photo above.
h=11 m=18
